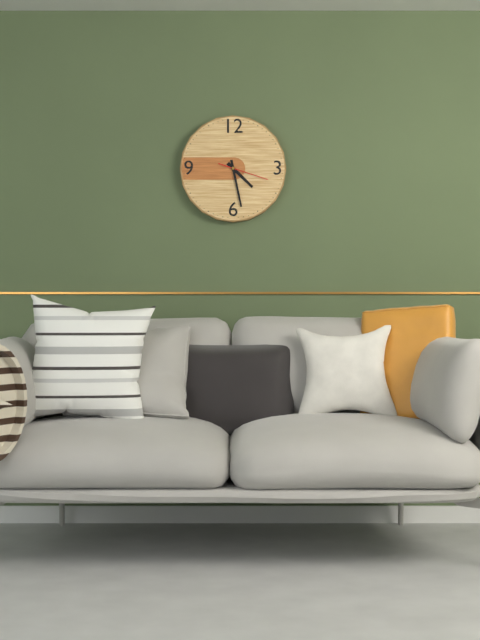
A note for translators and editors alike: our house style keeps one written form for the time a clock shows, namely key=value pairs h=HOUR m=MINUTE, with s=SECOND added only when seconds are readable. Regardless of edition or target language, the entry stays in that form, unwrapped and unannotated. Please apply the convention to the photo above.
h=4 m=28
